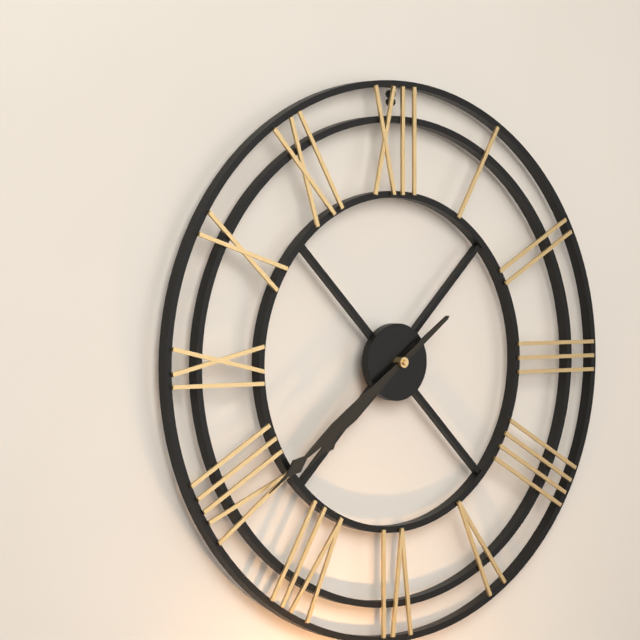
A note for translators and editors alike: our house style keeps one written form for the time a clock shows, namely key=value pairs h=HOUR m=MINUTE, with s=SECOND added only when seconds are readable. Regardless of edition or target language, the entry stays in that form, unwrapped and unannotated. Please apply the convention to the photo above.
h=7 m=39
